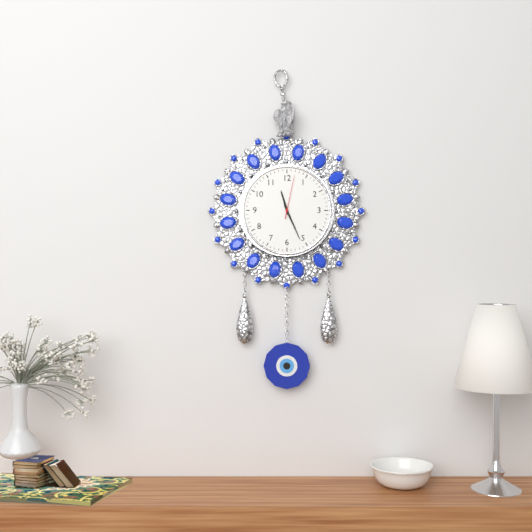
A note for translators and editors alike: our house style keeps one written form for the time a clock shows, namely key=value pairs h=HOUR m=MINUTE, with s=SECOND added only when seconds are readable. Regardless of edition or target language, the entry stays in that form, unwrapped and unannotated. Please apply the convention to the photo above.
h=11 m=26
